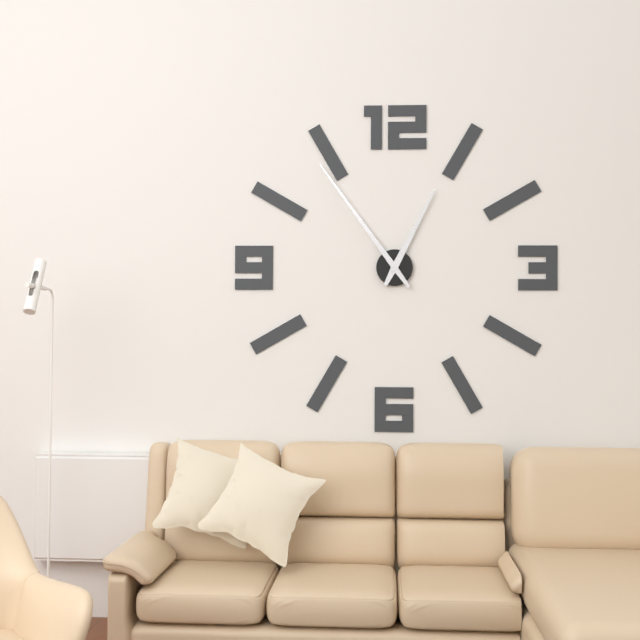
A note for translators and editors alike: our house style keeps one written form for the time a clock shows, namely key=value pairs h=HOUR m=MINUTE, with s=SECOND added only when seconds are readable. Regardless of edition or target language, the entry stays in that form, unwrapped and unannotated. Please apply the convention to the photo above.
h=12 m=54
